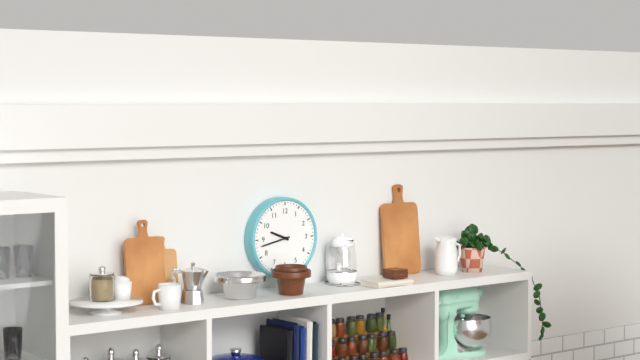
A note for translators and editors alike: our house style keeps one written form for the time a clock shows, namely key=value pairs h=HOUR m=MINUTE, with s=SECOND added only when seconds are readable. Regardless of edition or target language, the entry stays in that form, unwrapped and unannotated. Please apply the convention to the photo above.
h=9 m=43
